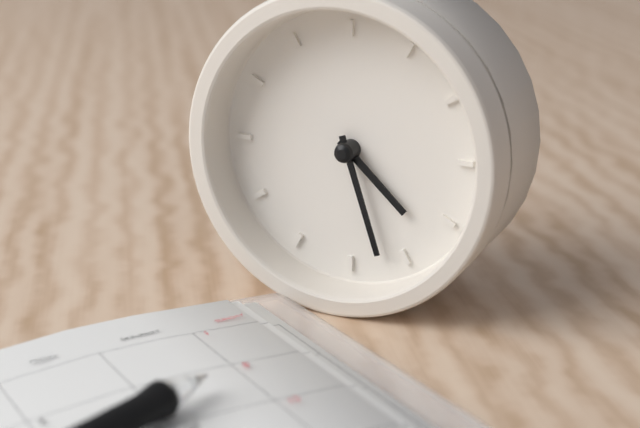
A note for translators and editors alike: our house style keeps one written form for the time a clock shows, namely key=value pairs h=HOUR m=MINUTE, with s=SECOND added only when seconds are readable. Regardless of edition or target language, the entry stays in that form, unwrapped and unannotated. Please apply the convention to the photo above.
h=4 m=27
